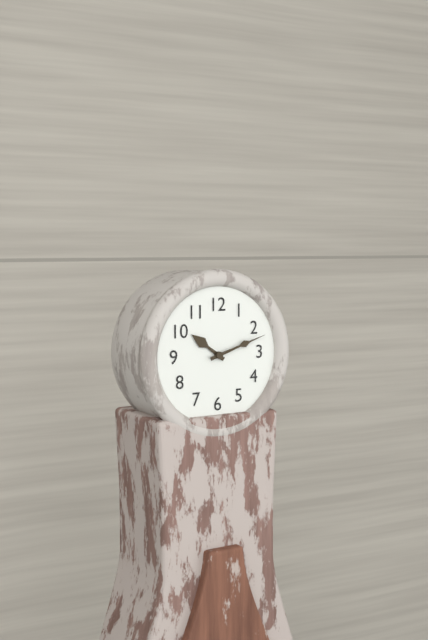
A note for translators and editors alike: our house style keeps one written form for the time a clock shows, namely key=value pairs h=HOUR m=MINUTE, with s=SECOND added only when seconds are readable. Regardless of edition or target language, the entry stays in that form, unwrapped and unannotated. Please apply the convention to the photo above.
h=10 m=12
